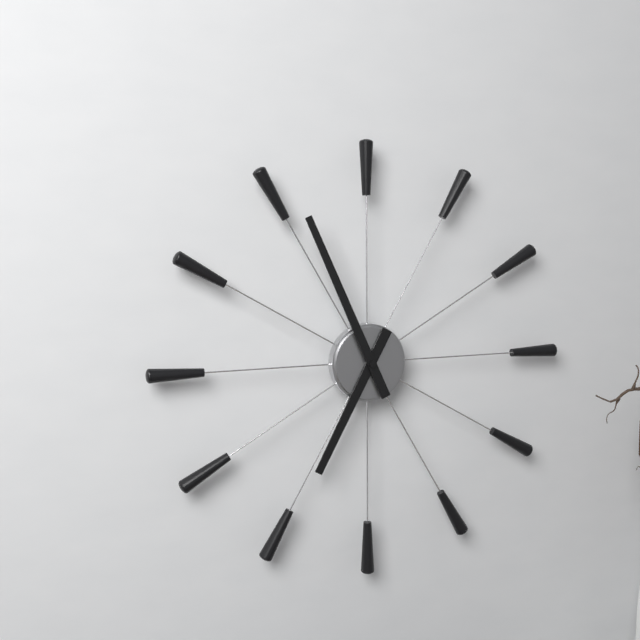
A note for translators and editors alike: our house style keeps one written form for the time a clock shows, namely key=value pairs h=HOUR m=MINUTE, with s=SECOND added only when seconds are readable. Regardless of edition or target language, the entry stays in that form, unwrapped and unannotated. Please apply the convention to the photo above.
h=6 m=56
